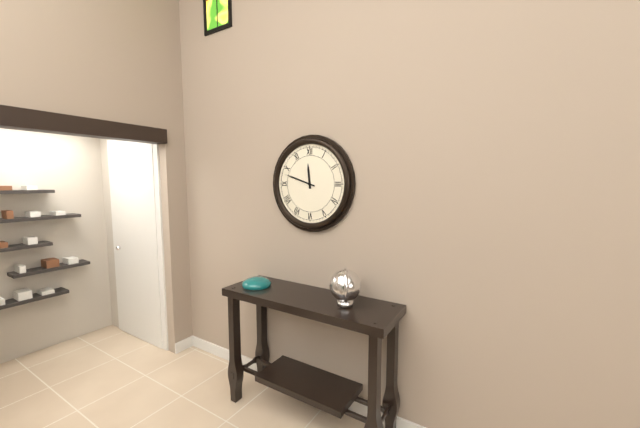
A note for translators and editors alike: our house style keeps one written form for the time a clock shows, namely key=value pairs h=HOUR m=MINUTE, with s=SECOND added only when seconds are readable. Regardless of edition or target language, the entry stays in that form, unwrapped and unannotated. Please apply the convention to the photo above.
h=11 m=48
